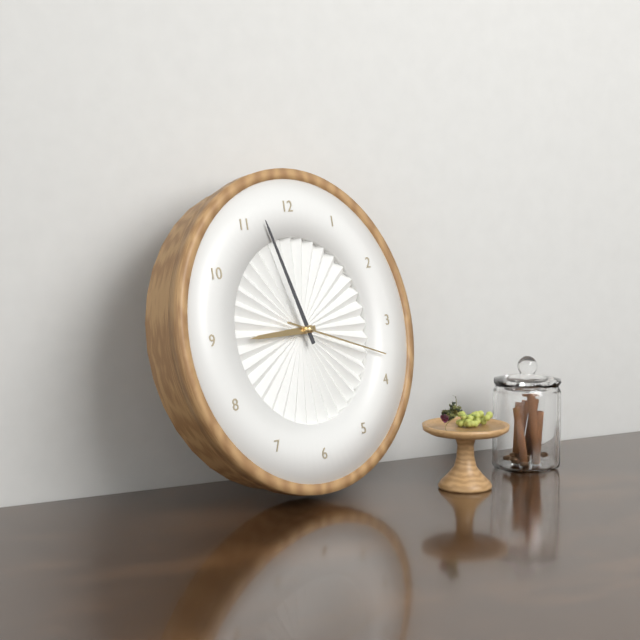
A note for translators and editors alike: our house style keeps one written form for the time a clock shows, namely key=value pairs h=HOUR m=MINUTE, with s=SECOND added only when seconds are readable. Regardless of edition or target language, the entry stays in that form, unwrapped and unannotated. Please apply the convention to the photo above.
h=8 m=57 s=18
